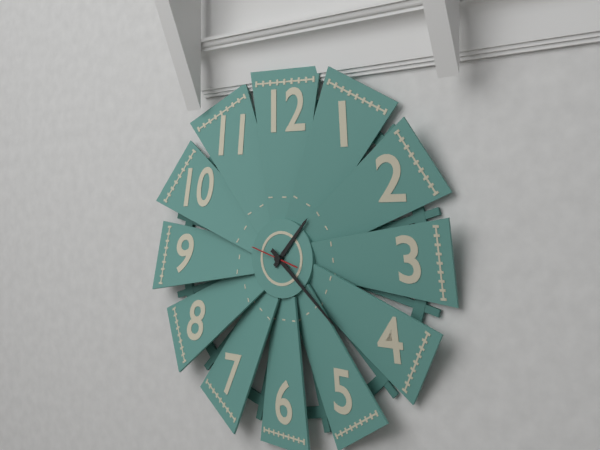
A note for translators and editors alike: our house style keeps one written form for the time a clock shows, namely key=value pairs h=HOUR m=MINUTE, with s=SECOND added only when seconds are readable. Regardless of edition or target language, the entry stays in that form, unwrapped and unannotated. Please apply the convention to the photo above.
h=1 m=22
